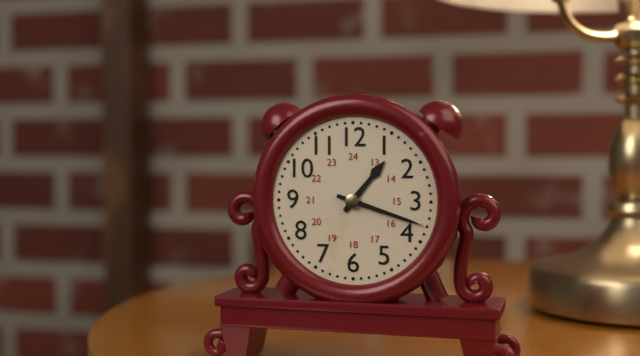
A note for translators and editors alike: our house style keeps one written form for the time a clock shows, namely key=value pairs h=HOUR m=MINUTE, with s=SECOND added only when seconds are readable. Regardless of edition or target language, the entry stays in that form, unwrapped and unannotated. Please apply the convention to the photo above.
h=1 m=18
